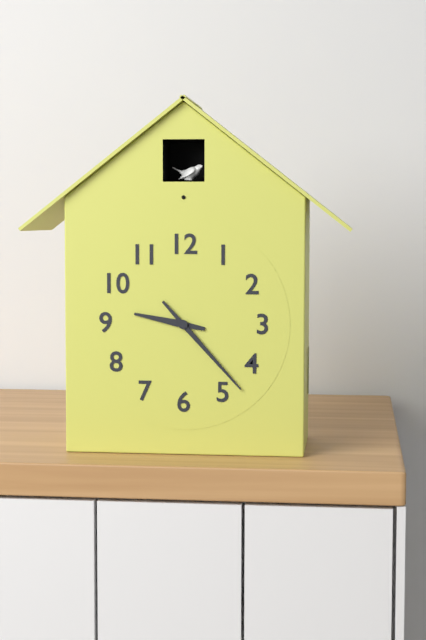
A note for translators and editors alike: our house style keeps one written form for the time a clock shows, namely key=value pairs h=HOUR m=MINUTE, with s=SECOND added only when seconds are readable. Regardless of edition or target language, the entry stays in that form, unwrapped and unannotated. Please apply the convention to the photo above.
h=9 m=23
